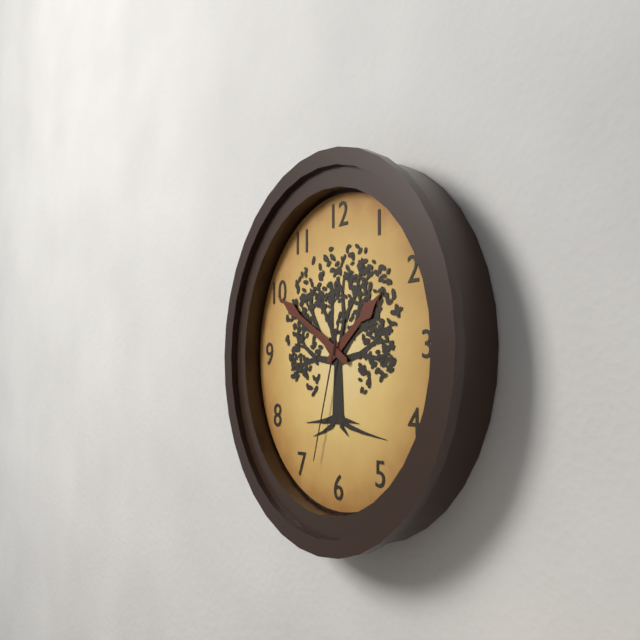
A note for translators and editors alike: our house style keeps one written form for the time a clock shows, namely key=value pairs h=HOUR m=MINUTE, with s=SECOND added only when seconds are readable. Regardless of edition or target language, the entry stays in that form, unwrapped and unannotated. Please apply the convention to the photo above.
h=1 m=50 s=33
